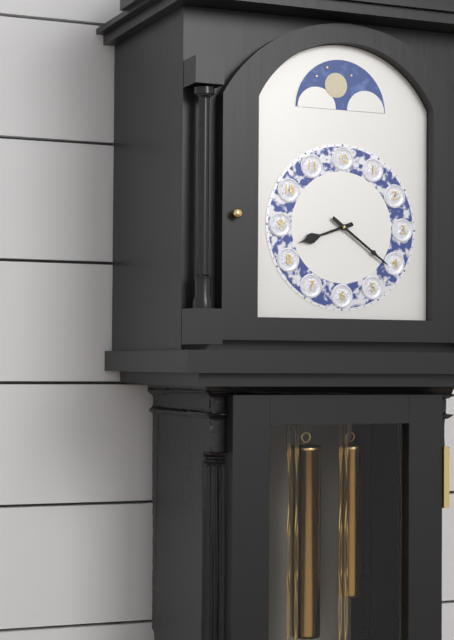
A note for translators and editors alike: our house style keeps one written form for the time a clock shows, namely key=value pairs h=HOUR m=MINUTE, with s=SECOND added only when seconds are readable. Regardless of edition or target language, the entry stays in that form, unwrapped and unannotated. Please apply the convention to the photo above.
h=8 m=21
